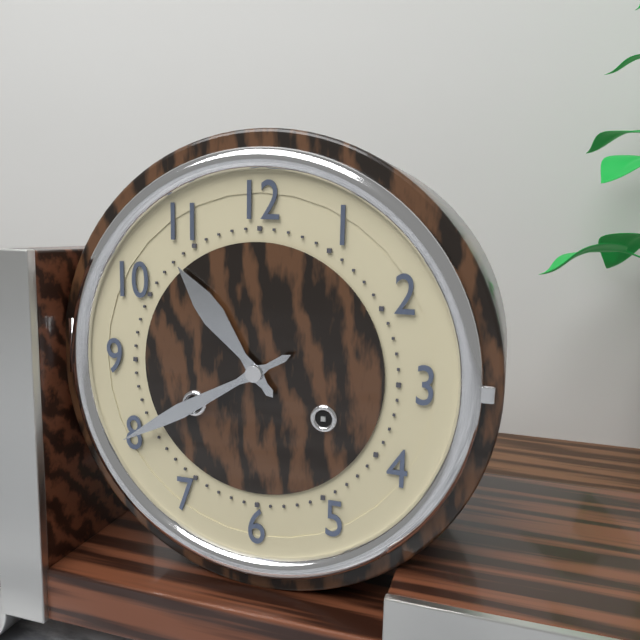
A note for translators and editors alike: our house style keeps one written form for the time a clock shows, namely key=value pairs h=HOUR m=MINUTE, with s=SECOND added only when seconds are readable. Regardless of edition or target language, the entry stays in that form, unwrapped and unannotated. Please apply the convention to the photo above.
h=10 m=40
